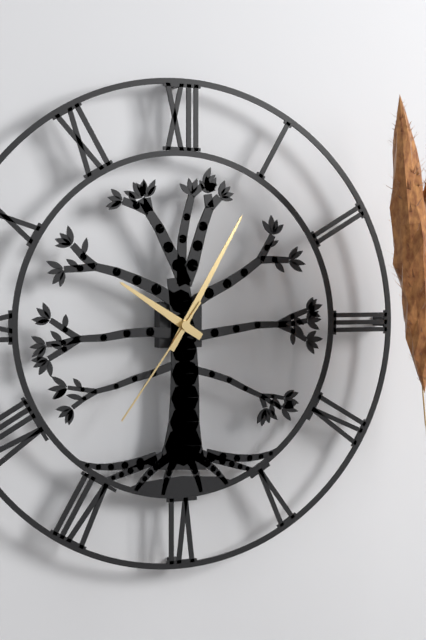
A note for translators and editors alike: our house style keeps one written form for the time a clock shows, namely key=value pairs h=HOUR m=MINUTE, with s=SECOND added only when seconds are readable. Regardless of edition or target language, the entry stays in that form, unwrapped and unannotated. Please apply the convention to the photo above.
h=10 m=5 s=36
